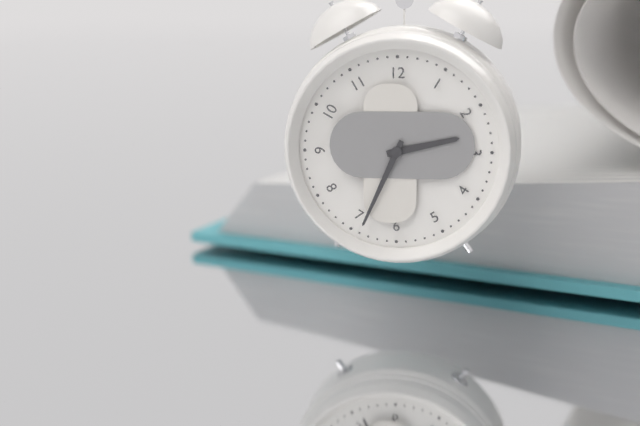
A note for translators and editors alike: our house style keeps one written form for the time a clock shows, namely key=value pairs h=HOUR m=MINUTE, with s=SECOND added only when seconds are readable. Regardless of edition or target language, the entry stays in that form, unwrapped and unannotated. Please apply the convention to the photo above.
h=2 m=34
